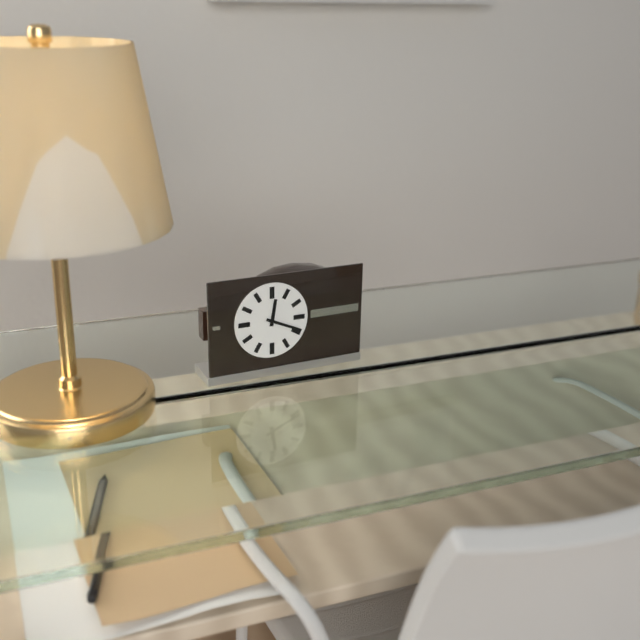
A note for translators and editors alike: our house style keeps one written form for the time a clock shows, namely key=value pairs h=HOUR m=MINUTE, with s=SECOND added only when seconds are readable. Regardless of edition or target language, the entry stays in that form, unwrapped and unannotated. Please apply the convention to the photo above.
h=12 m=19
